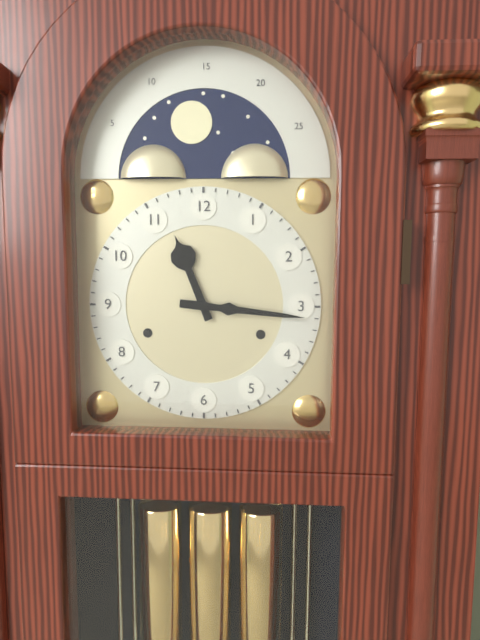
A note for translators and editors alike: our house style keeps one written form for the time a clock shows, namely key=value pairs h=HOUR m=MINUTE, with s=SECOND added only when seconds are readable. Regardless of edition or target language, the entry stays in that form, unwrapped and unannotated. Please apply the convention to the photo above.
h=11 m=16
